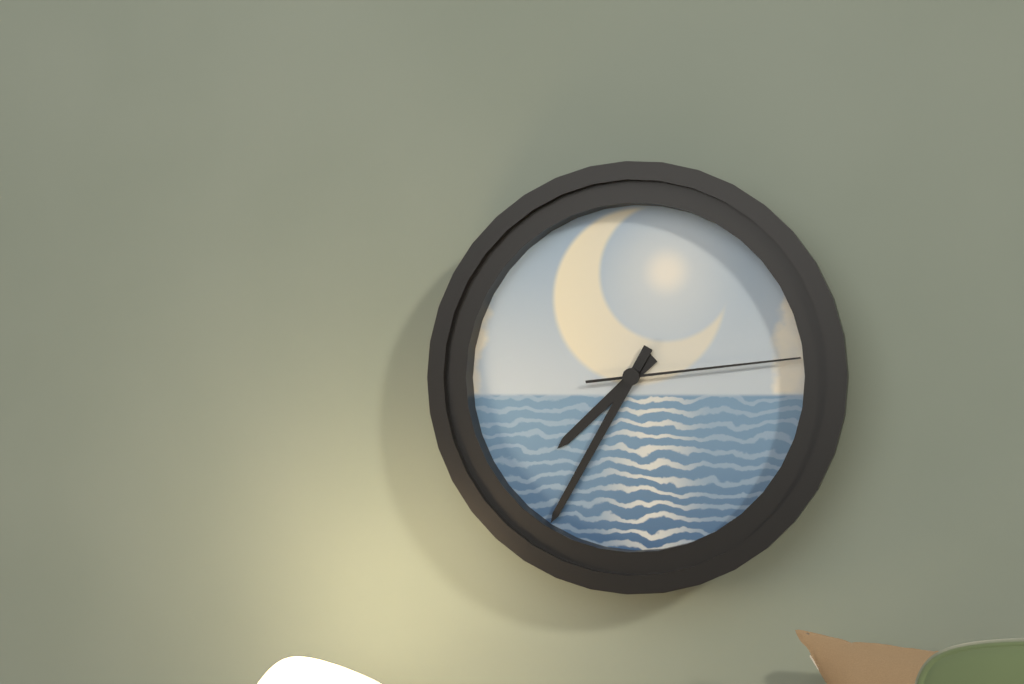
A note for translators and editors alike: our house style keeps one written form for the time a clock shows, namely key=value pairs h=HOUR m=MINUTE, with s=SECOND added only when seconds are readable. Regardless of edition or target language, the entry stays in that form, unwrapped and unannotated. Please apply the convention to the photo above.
h=7 m=35 s=14
